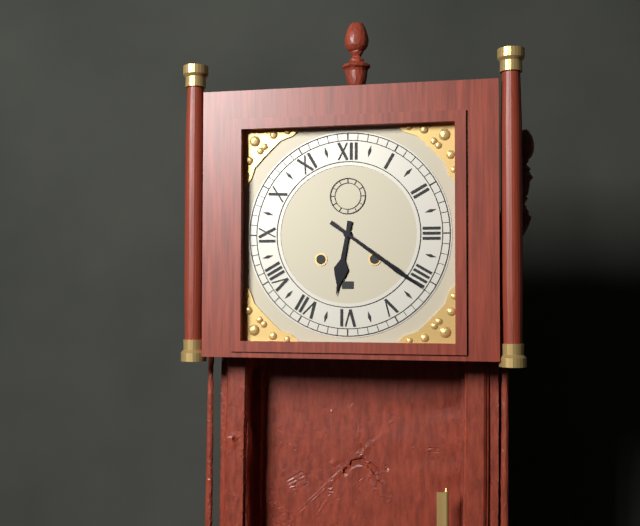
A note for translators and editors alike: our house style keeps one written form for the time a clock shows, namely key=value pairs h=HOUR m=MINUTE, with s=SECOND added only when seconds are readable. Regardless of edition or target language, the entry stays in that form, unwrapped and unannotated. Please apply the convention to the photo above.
h=6 m=21
